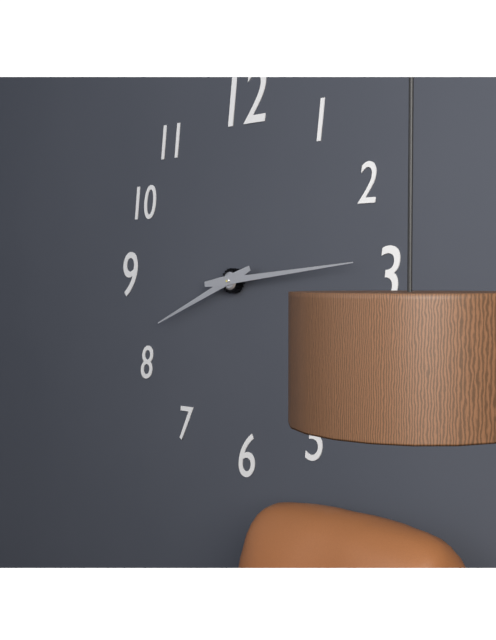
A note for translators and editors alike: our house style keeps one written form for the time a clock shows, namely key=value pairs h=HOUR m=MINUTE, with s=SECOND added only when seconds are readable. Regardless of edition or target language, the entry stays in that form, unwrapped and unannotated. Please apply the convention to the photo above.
h=8 m=14
